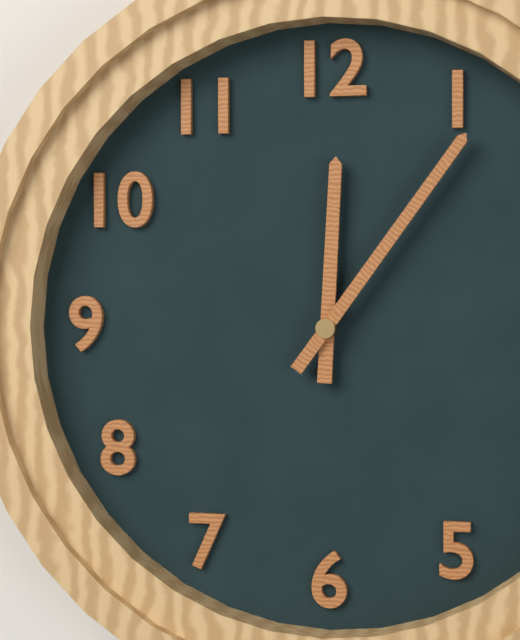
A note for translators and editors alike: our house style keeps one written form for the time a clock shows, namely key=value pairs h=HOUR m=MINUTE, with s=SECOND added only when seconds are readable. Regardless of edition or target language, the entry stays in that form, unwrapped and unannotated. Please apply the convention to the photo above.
h=12 m=6
